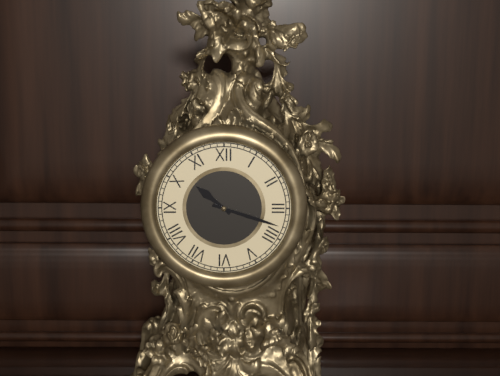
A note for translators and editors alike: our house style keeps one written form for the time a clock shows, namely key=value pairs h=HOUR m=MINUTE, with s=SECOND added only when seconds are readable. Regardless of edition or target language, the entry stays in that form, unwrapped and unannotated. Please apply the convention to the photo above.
h=10 m=18
